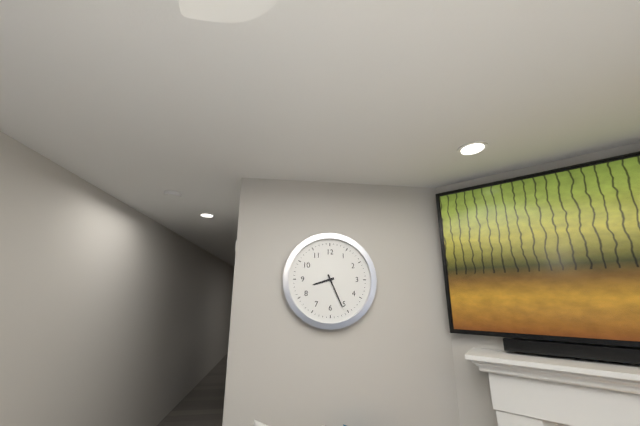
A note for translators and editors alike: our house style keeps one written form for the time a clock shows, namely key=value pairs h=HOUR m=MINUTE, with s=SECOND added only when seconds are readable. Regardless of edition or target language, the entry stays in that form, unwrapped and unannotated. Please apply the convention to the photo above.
h=8 m=26
